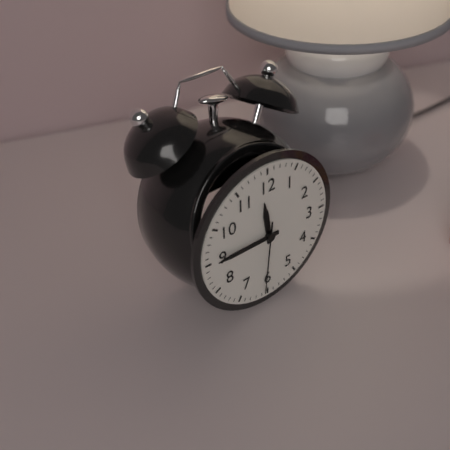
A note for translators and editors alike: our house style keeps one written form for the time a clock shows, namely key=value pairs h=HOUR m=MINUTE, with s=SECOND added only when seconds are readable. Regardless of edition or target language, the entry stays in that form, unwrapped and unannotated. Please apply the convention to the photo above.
h=11 m=45 s=31
